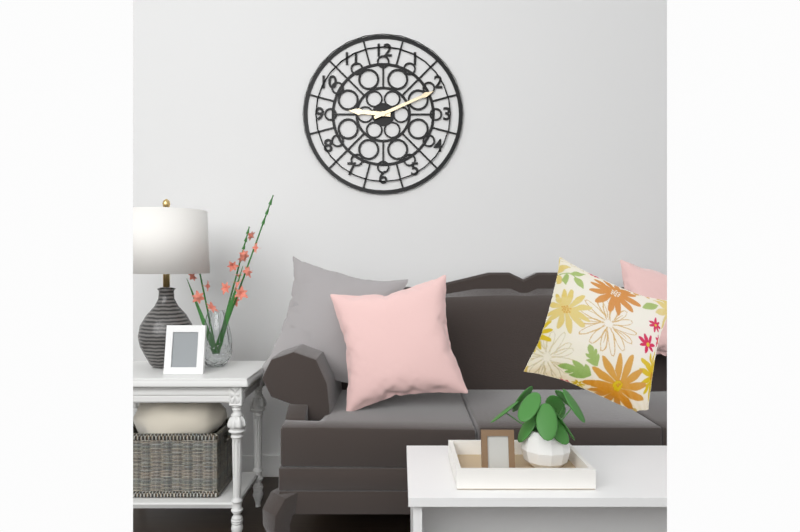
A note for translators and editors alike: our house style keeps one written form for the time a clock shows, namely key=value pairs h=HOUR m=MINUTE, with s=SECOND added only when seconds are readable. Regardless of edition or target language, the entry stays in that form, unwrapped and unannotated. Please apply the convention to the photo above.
h=9 m=11
